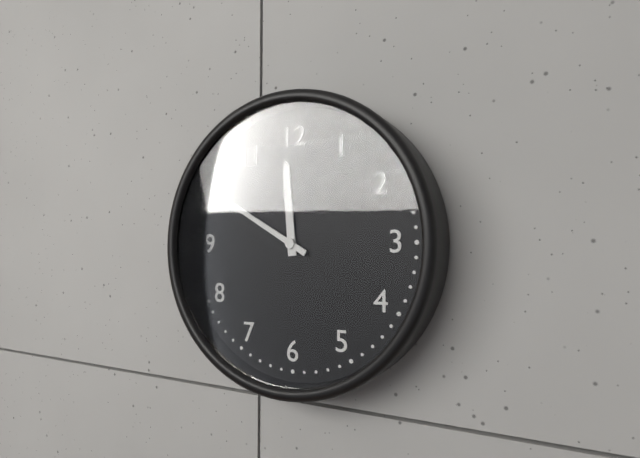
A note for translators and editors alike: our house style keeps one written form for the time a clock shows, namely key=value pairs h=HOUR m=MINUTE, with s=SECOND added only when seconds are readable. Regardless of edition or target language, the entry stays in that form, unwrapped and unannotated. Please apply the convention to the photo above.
h=11 m=50
